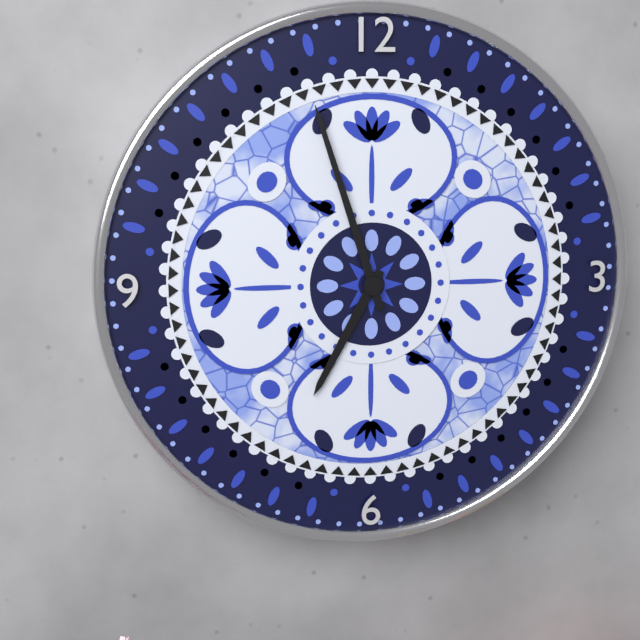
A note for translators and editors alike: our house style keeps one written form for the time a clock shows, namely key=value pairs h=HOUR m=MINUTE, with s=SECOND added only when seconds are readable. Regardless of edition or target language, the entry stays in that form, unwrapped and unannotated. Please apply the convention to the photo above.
h=6 m=57
